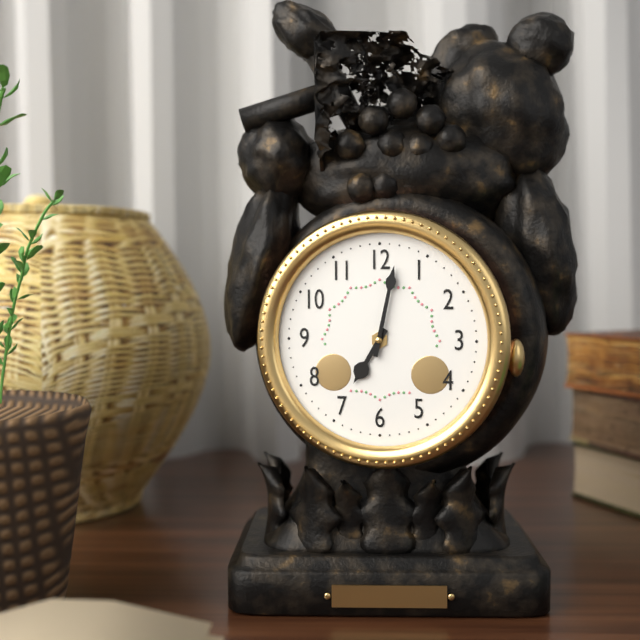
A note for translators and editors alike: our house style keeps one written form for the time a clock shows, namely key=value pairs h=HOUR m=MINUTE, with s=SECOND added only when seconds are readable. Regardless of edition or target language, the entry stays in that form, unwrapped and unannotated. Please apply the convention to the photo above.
h=7 m=2
